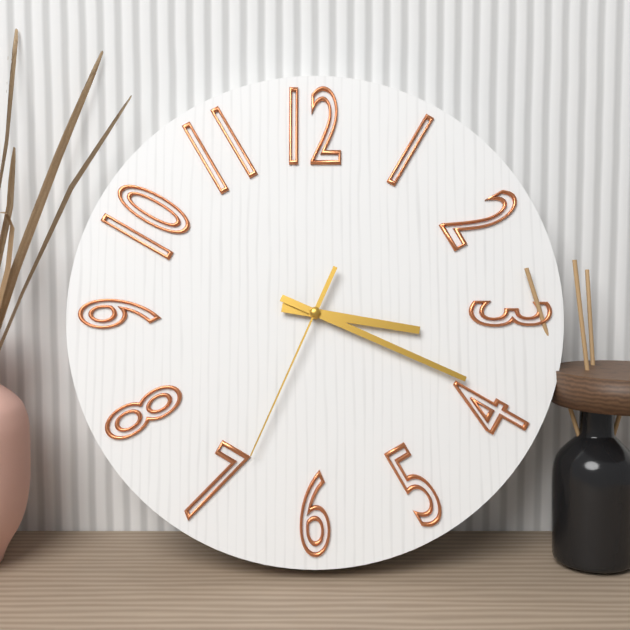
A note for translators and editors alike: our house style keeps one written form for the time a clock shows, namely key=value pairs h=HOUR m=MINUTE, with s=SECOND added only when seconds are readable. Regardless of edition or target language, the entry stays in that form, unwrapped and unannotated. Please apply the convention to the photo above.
h=3 m=19 s=34
